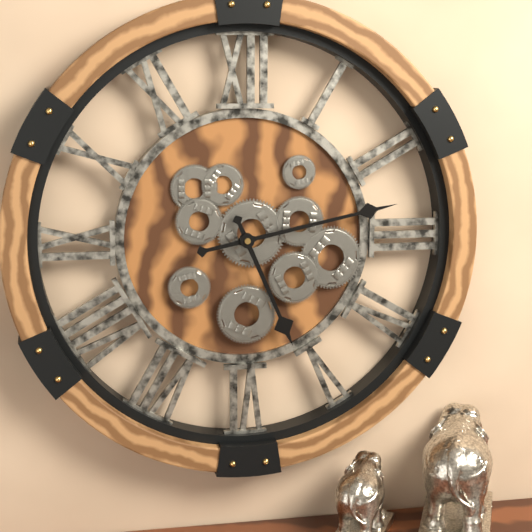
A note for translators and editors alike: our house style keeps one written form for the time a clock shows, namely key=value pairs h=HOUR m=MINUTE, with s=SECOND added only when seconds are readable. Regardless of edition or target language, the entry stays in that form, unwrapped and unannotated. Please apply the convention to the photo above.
h=5 m=13
